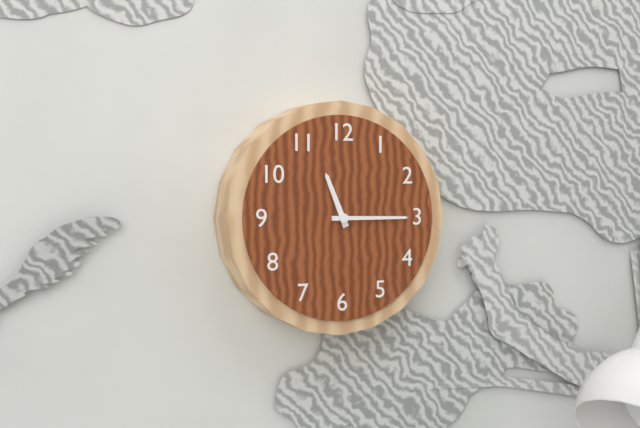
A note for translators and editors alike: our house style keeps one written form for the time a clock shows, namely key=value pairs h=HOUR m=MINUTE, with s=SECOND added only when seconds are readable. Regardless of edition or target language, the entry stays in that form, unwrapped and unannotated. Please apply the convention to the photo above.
h=11 m=15
